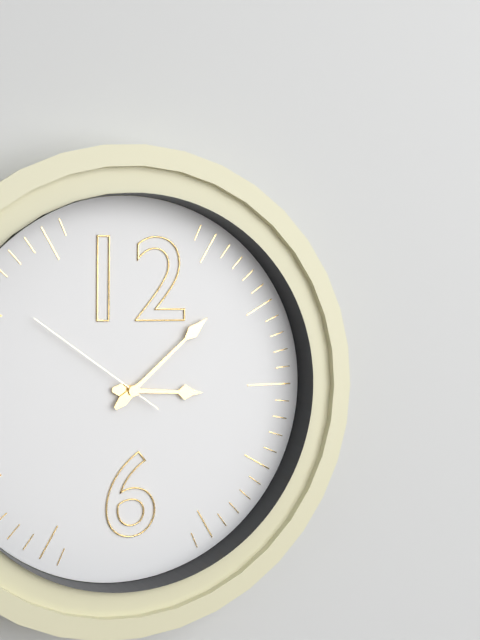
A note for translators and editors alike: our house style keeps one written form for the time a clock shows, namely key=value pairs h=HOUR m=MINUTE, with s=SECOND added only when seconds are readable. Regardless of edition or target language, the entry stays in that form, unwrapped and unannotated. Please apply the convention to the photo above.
h=3 m=8 s=51
